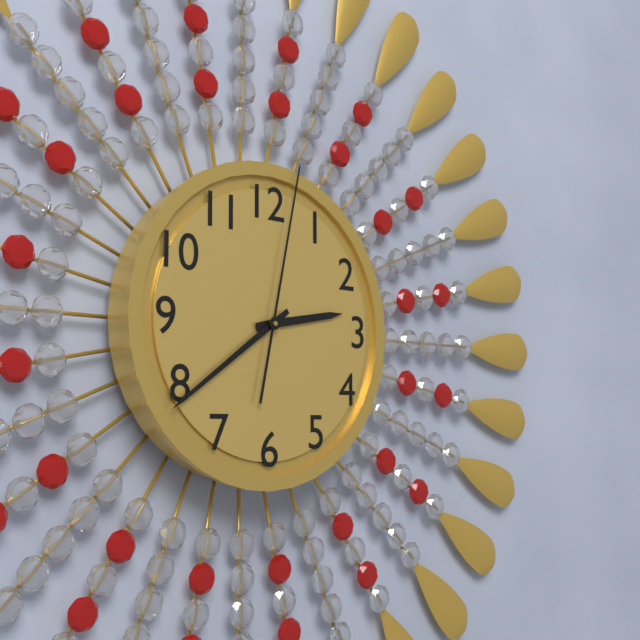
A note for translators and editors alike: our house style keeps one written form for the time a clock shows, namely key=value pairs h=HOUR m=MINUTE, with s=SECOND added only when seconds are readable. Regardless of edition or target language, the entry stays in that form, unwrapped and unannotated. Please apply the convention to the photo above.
h=2 m=39 s=2
